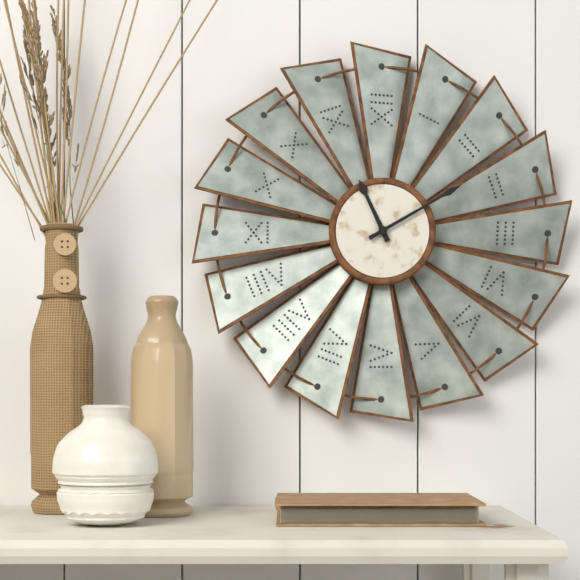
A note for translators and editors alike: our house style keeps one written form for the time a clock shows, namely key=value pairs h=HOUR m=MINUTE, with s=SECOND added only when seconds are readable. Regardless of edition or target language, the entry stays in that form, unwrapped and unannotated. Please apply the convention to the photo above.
h=11 m=10
